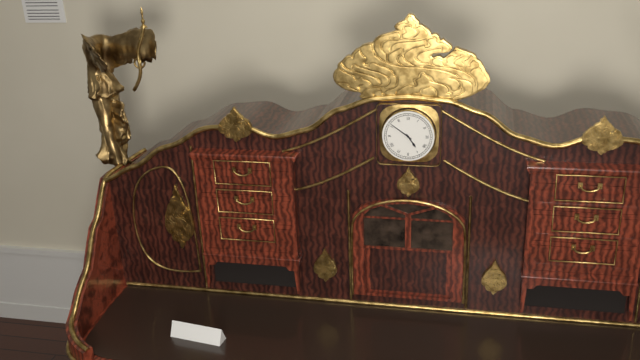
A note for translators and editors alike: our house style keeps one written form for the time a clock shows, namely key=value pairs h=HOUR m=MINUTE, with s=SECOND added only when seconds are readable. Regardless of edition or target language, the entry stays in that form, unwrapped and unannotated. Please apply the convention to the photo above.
h=4 m=51
